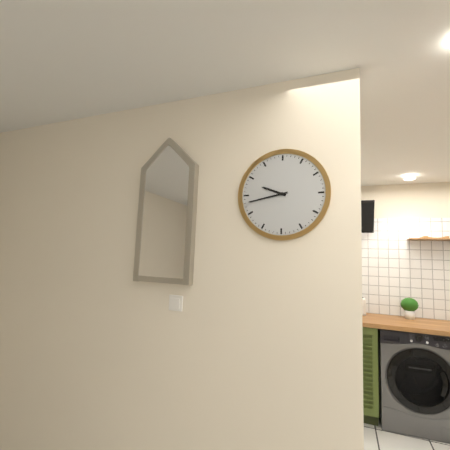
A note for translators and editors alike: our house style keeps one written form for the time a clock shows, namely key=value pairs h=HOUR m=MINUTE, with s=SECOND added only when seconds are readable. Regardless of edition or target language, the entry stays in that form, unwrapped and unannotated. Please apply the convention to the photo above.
h=9 m=43
